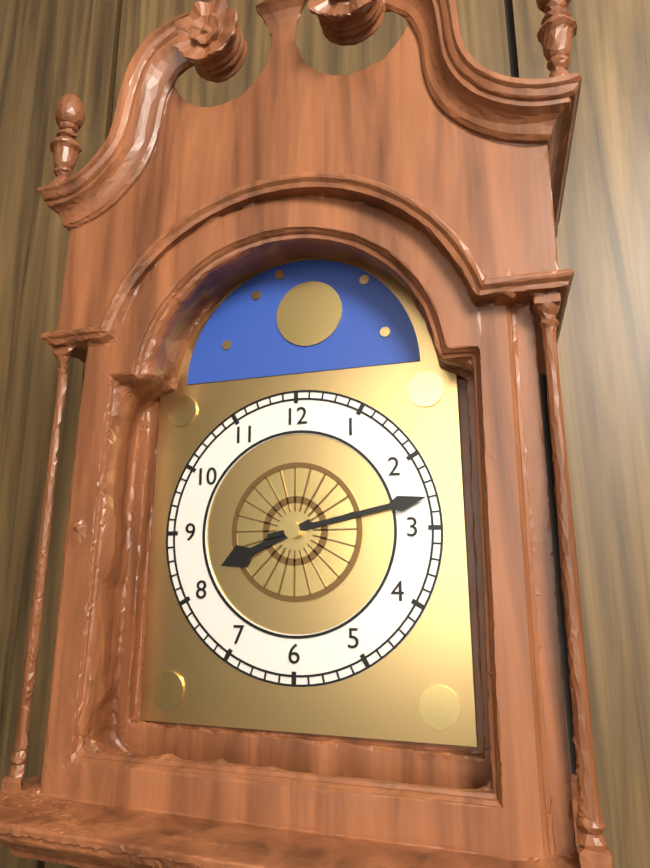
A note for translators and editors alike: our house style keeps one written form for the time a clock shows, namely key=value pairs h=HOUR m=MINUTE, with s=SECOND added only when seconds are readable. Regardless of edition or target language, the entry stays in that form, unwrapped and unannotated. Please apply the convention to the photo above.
h=8 m=13
